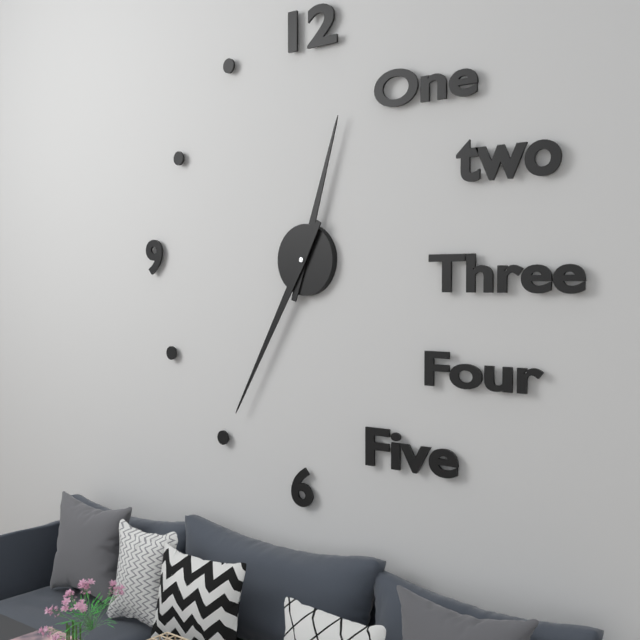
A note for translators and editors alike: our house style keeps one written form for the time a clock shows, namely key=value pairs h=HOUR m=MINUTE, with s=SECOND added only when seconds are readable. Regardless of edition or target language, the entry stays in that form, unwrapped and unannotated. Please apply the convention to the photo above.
h=12 m=35
